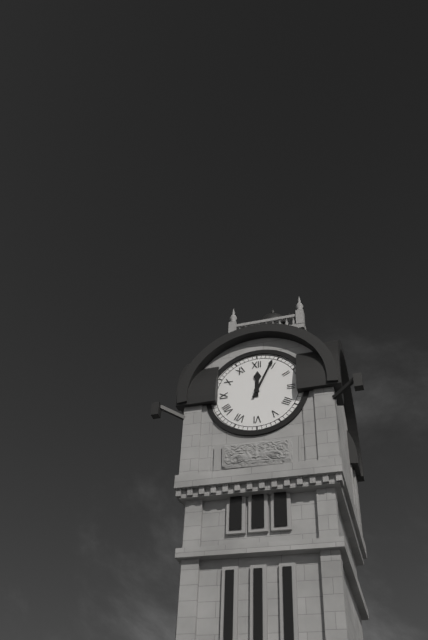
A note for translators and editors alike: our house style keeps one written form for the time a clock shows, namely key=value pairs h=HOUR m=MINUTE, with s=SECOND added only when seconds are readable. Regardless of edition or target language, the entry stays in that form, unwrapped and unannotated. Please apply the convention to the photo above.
h=12 m=4
